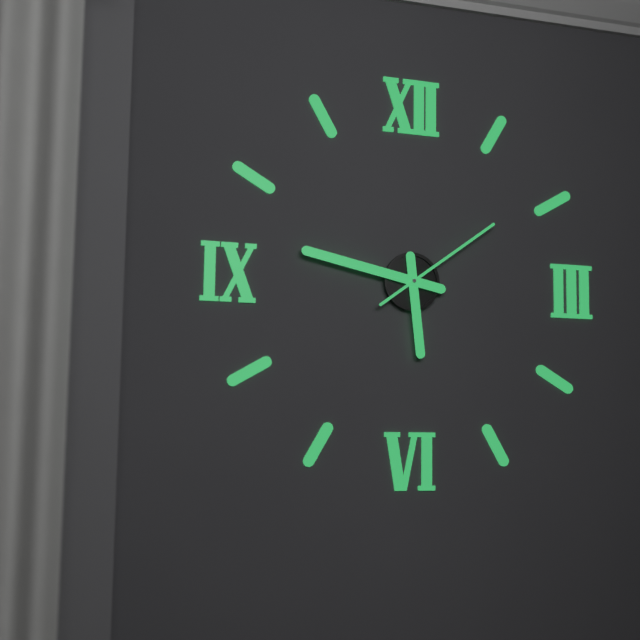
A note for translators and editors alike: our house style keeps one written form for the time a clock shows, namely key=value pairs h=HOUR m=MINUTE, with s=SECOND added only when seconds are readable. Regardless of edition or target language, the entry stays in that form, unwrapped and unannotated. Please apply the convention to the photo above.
h=5 m=47 s=9
